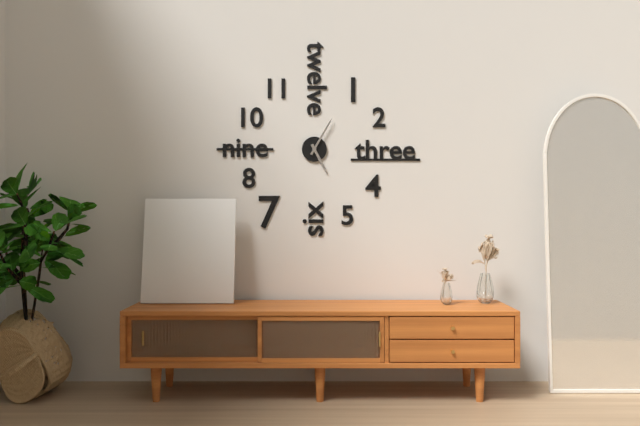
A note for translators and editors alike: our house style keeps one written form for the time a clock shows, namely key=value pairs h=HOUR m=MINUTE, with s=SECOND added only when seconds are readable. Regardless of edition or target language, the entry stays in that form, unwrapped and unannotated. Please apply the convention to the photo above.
h=5 m=5
